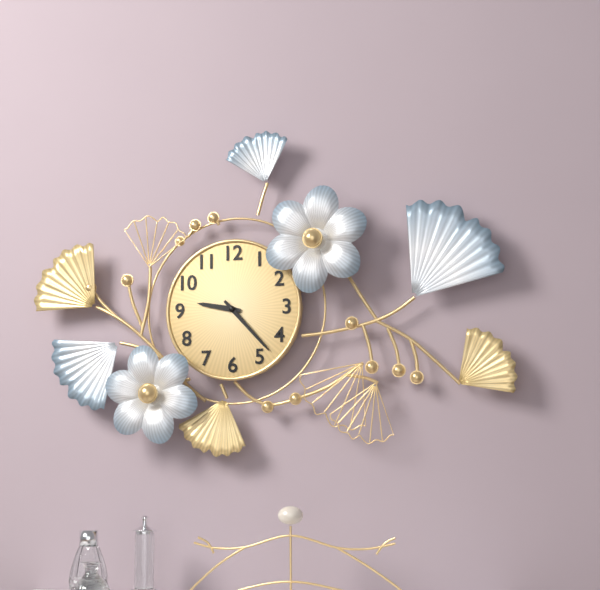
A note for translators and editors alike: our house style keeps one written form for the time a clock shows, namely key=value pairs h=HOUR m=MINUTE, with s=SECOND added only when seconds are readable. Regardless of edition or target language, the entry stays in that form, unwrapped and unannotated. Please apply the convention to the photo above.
h=9 m=23
